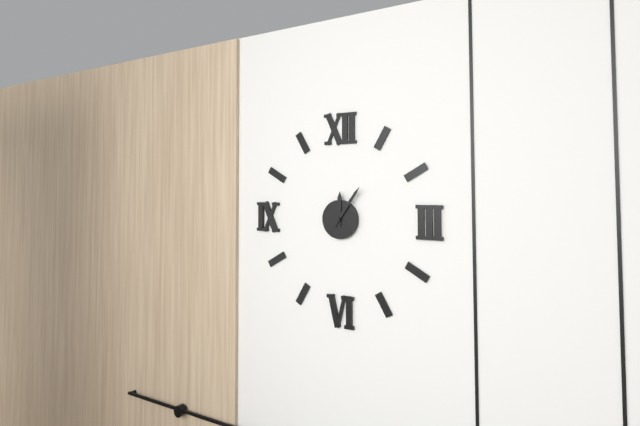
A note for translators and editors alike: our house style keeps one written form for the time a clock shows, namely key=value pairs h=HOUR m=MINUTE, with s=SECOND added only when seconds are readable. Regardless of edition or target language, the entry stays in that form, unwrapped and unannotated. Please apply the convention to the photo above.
h=12 m=6
